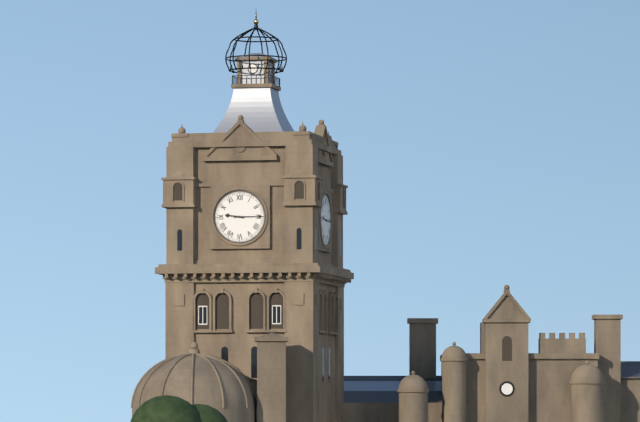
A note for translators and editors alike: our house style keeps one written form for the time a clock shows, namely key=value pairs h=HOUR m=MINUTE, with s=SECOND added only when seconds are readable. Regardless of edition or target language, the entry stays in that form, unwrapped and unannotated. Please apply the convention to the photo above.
h=9 m=15
